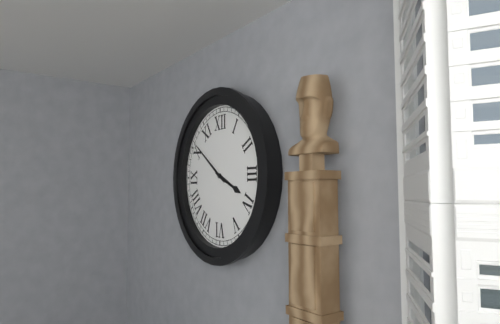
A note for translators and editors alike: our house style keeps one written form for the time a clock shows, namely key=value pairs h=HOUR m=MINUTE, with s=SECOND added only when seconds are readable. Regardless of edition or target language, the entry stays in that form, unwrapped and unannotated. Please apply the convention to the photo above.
h=3 m=51
